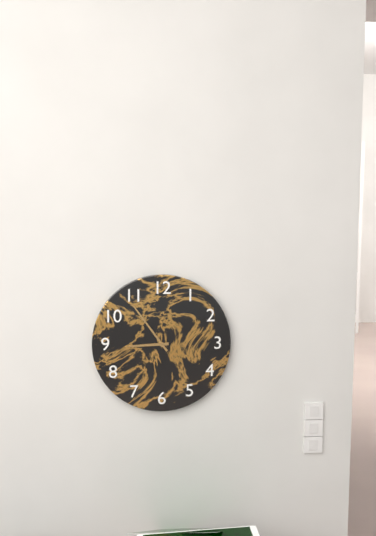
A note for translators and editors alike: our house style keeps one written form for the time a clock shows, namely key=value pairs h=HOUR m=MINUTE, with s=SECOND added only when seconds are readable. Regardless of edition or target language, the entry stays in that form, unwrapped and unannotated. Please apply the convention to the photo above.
h=8 m=54
